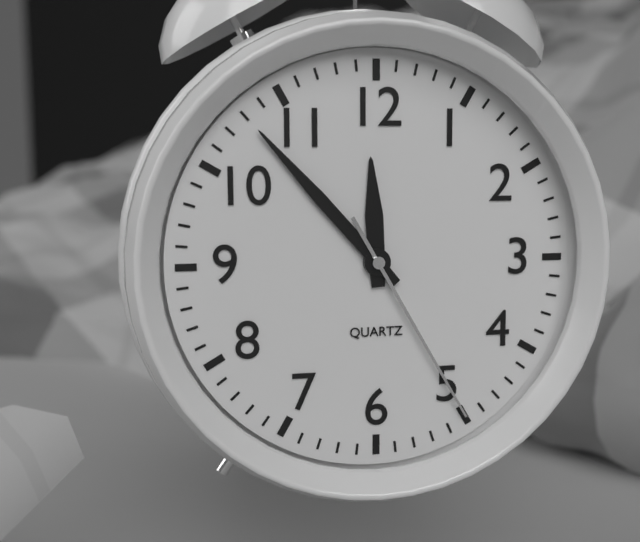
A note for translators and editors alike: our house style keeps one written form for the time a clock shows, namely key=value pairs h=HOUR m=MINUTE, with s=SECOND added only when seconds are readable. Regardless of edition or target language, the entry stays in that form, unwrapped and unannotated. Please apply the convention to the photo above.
h=11 m=53 s=25
